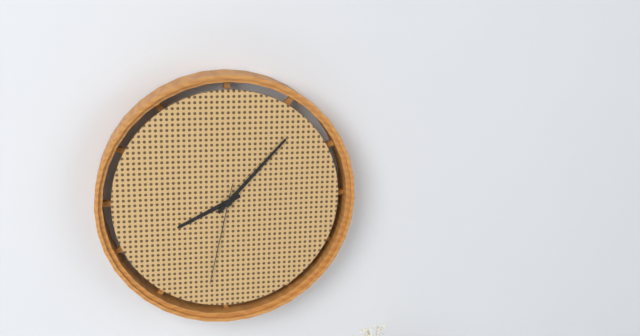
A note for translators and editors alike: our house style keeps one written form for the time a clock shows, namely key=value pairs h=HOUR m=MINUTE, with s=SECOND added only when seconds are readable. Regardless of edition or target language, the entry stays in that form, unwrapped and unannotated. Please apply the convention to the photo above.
h=8 m=7 s=32
